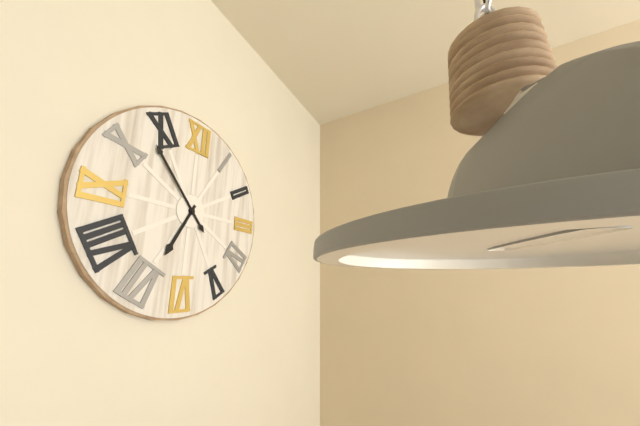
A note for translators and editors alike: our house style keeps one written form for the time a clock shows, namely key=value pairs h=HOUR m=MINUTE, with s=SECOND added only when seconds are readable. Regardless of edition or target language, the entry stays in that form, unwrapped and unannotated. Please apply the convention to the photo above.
h=6 m=53
